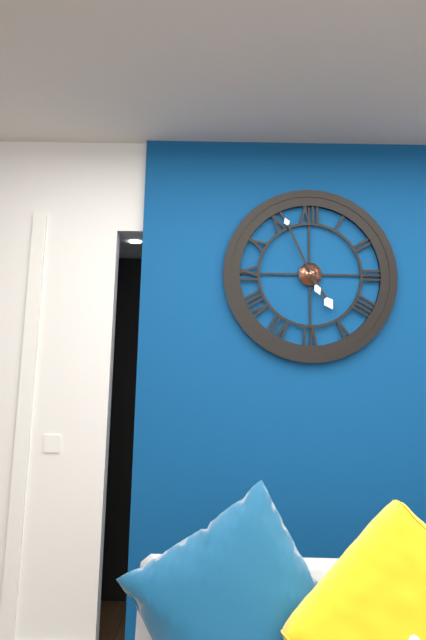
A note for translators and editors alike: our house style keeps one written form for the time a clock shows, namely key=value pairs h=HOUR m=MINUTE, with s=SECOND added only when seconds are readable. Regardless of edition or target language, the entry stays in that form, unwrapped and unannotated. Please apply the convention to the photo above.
h=4 m=56
